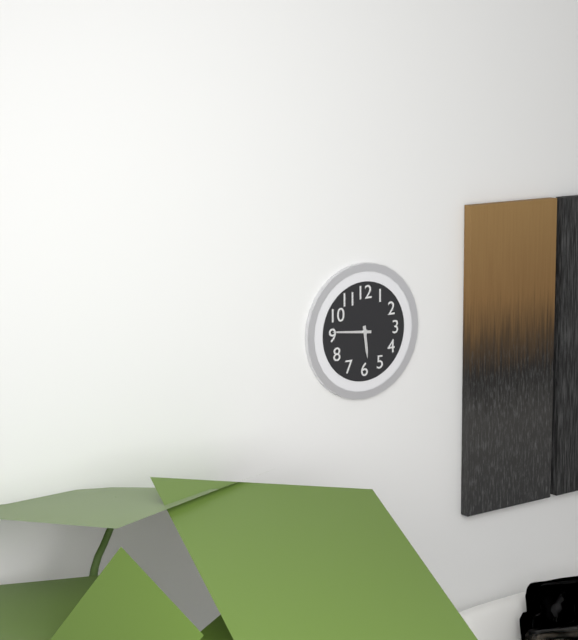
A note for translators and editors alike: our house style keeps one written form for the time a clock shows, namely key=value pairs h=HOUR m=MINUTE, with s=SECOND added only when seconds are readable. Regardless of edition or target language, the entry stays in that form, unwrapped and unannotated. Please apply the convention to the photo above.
h=5 m=46
